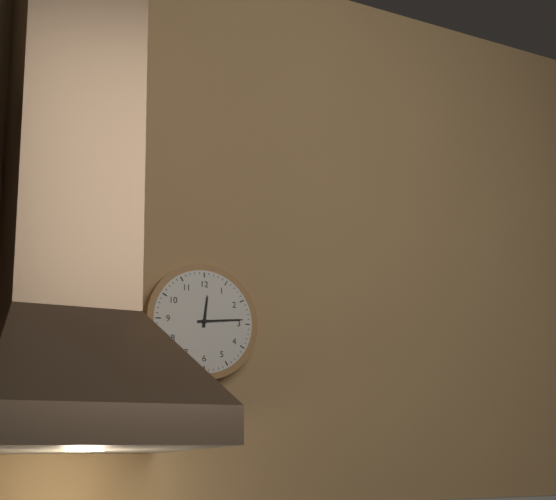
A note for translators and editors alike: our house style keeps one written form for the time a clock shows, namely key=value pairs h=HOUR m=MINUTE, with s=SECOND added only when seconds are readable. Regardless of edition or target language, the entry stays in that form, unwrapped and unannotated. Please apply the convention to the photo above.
h=12 m=14
